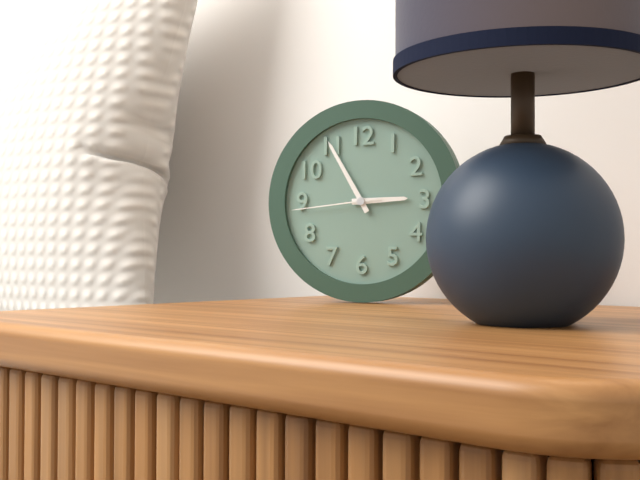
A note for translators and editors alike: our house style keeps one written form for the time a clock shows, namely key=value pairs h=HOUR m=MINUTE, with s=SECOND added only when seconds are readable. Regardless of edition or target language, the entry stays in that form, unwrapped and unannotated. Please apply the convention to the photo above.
h=2 m=55 s=44
